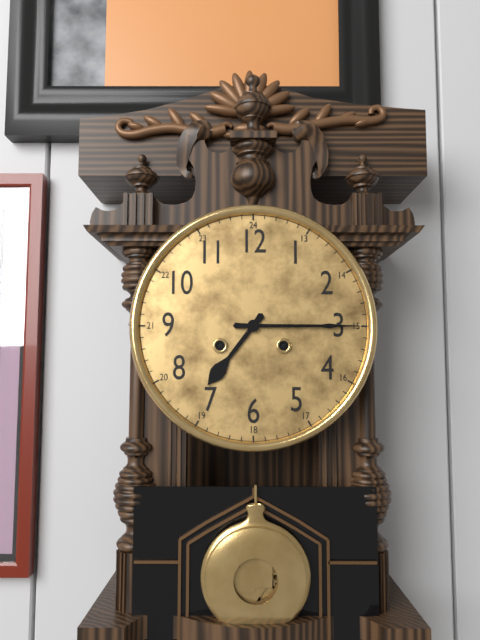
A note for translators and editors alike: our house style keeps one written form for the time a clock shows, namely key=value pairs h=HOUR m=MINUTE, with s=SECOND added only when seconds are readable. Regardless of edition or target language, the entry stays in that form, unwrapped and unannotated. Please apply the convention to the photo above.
h=7 m=15
